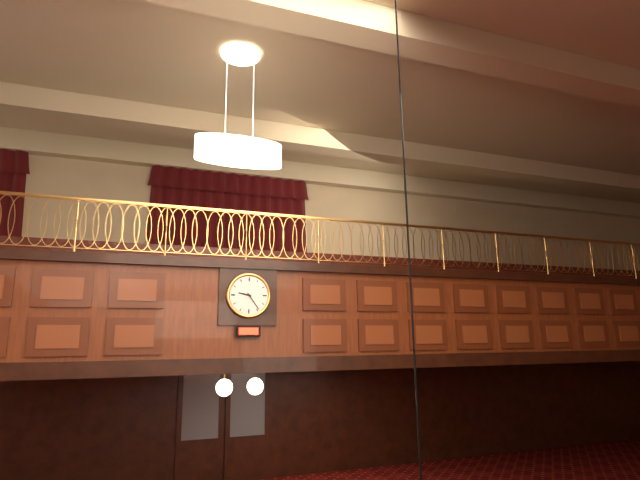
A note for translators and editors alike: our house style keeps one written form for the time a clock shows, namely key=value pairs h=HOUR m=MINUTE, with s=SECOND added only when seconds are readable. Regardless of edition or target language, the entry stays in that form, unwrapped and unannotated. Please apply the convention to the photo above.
h=9 m=24
